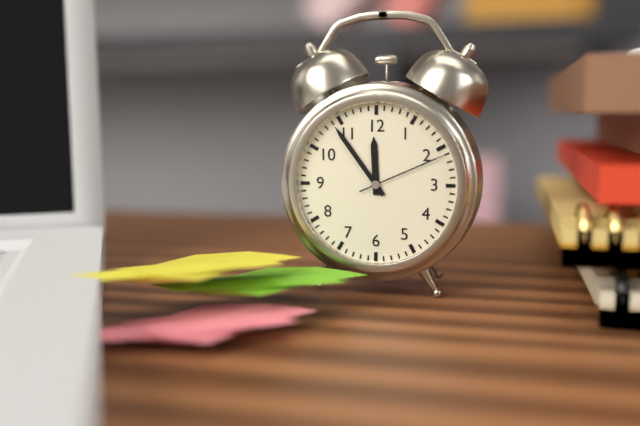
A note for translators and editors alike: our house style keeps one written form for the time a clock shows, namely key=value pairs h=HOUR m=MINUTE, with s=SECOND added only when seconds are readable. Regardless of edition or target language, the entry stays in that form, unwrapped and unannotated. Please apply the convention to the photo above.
h=11 m=54 s=11
